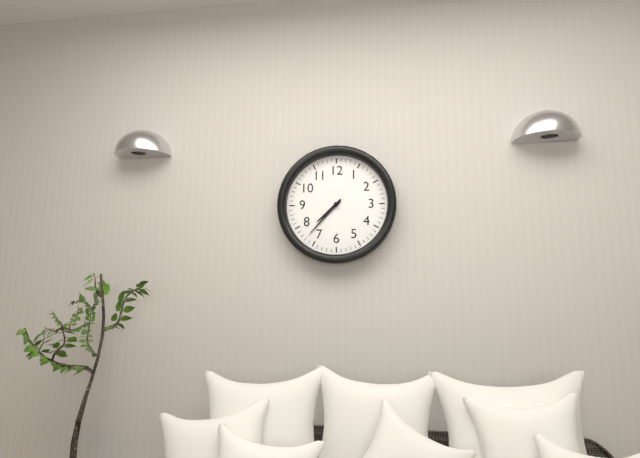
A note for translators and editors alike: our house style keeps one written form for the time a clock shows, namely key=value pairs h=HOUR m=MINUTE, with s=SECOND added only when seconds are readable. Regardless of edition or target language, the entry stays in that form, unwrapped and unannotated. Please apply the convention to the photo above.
h=7 m=37
